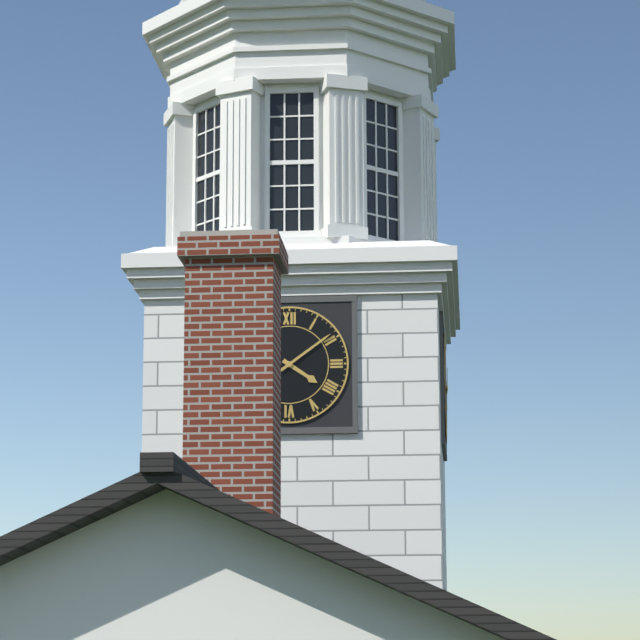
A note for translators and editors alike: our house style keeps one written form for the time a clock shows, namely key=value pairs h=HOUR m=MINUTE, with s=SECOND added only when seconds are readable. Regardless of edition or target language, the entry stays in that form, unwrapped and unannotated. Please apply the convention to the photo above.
h=4 m=9
